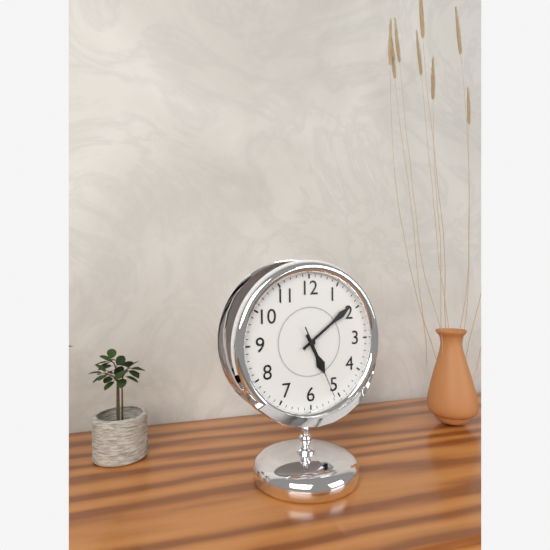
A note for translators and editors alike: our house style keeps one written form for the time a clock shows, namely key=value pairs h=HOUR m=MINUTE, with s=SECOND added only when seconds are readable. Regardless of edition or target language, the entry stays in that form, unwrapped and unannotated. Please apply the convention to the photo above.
h=5 m=9 s=26
